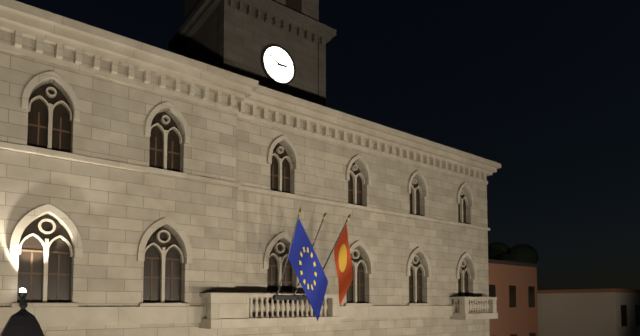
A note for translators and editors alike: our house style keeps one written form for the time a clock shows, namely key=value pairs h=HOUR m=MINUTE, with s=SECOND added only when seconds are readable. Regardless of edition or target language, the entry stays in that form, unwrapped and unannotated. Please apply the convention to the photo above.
h=2 m=50
